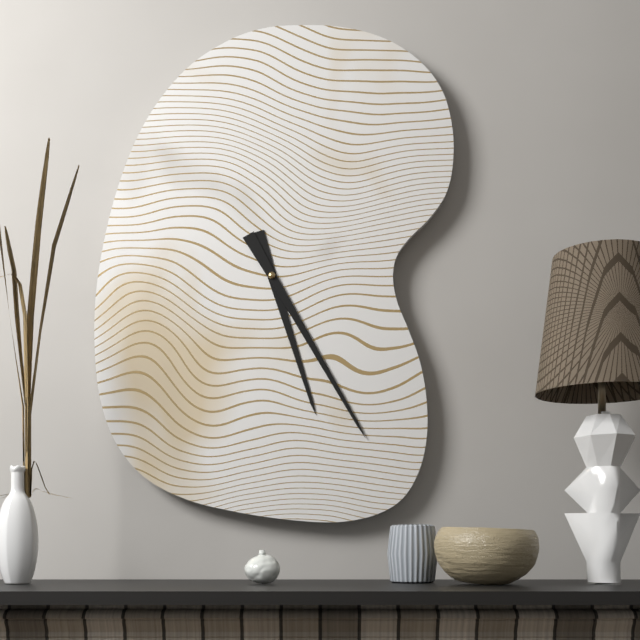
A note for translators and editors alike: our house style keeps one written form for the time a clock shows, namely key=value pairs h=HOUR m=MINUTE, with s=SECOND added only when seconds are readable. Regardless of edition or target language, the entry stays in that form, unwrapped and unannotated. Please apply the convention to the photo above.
h=5 m=25
